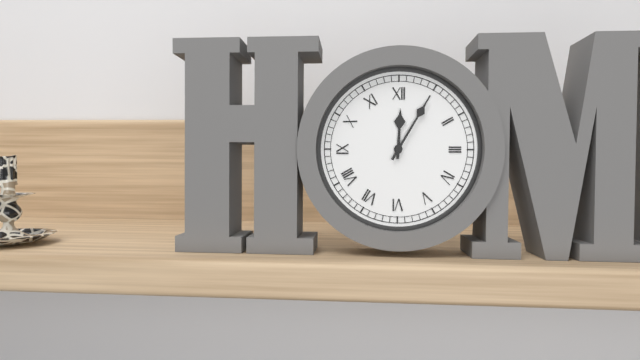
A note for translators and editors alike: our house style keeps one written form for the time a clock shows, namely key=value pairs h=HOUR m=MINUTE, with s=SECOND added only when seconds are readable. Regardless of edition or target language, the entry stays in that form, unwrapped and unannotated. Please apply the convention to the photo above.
h=12 m=5
